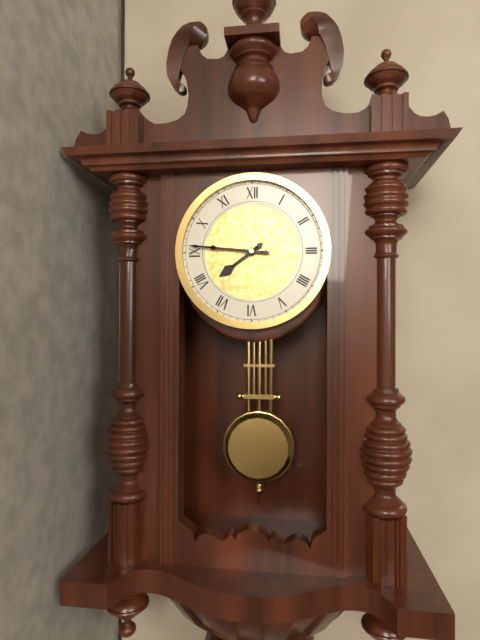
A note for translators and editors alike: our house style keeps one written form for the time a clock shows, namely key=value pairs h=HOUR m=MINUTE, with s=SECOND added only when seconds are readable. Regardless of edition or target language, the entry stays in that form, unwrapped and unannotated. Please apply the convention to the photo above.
h=7 m=46
